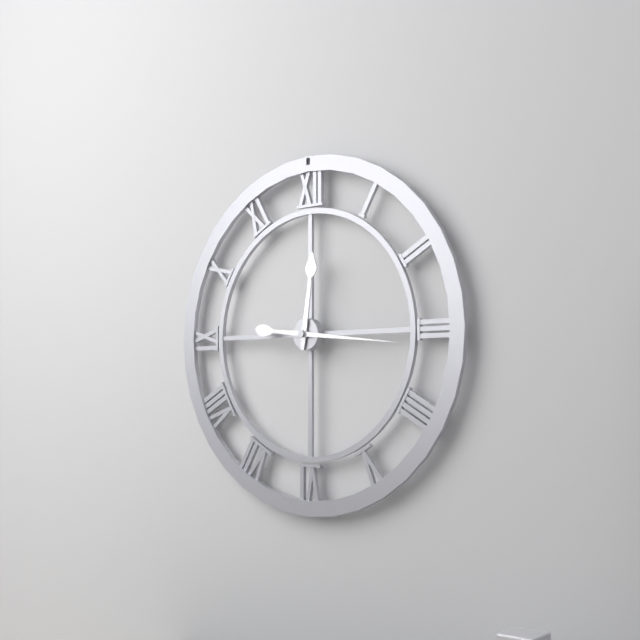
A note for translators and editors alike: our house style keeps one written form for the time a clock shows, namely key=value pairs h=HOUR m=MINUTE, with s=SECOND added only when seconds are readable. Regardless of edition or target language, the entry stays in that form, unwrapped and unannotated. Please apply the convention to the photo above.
h=12 m=16
